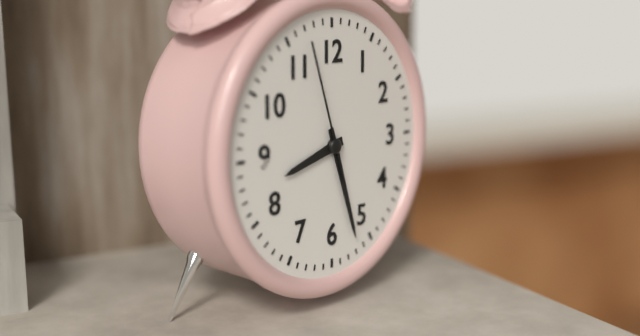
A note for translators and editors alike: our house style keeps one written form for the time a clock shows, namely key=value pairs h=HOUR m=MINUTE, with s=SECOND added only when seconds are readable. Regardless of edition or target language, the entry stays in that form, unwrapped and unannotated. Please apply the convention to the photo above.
h=8 m=27 s=57
